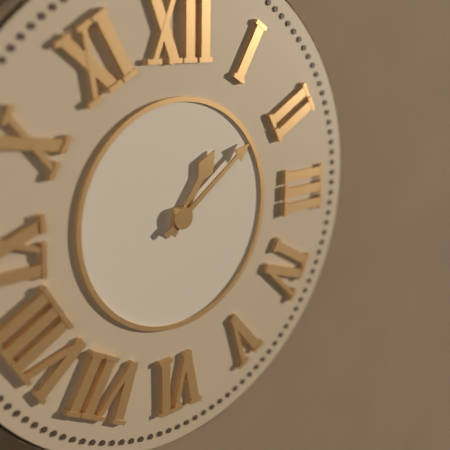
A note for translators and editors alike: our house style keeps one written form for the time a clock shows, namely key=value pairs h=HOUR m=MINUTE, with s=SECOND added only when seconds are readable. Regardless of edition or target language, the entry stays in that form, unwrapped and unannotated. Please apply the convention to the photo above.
h=1 m=9
